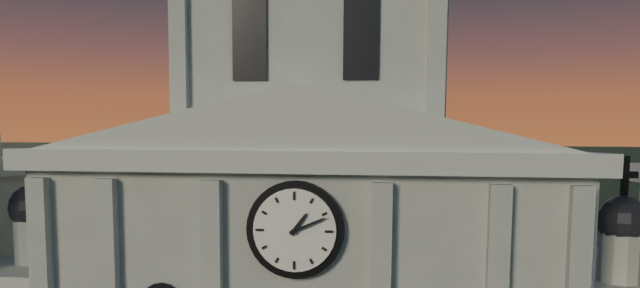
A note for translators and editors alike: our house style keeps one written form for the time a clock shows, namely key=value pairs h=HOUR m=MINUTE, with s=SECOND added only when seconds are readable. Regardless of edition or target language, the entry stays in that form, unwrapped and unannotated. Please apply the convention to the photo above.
h=1 m=11
